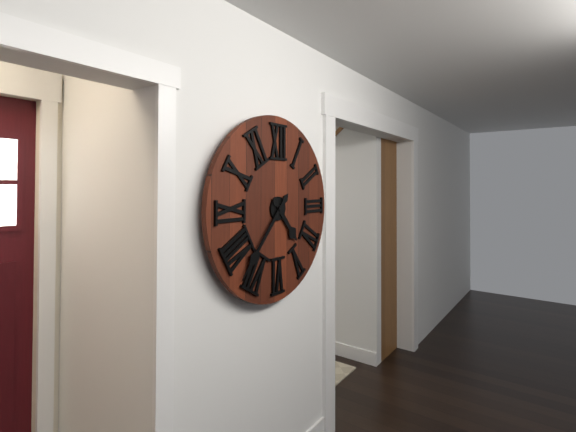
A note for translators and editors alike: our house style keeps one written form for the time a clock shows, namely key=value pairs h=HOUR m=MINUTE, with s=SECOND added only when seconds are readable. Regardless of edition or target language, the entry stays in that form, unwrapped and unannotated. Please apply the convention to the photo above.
h=4 m=37
